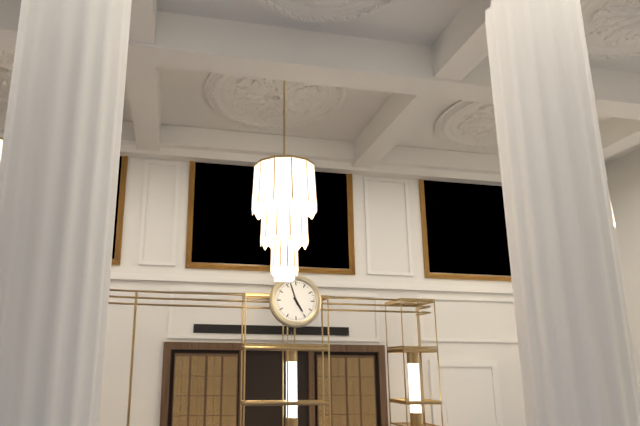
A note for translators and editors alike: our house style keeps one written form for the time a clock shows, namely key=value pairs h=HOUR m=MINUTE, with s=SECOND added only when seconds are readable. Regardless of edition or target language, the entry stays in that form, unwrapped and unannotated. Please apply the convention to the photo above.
h=4 m=57
